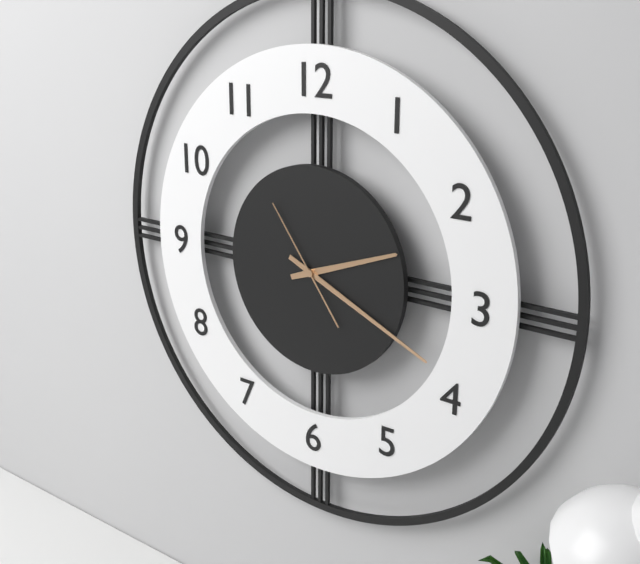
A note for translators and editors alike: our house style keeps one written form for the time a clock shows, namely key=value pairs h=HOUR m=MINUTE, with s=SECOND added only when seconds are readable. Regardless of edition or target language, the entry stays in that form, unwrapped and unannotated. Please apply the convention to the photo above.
h=2 m=19 s=54
